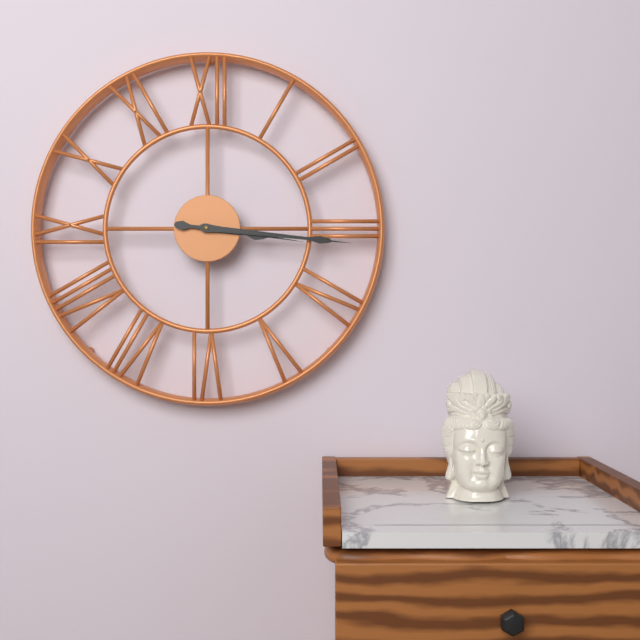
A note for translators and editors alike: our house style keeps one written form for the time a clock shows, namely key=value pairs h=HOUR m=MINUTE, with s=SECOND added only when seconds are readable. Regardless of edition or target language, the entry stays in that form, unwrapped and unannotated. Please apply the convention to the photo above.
h=3 m=16
